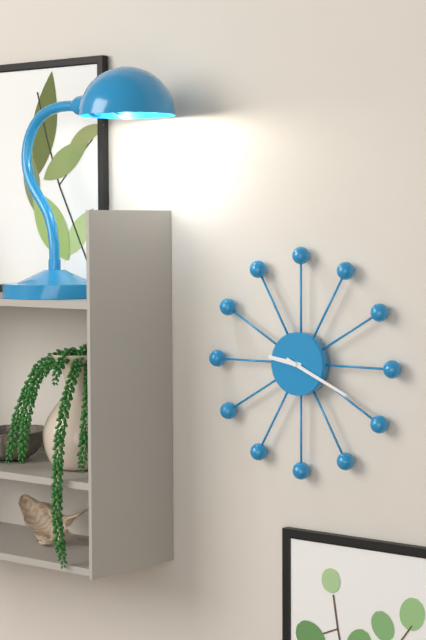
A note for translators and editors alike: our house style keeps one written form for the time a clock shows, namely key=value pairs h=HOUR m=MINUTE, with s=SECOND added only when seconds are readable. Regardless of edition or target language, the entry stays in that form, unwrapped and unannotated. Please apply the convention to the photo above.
h=9 m=19
